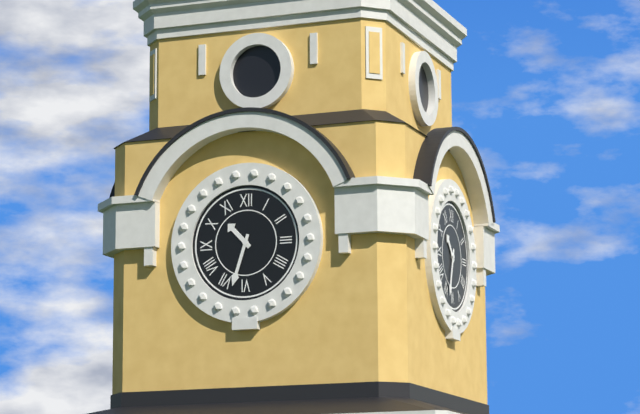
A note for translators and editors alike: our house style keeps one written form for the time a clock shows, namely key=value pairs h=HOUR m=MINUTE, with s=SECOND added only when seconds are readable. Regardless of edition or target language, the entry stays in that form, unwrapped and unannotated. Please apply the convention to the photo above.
h=10 m=33
